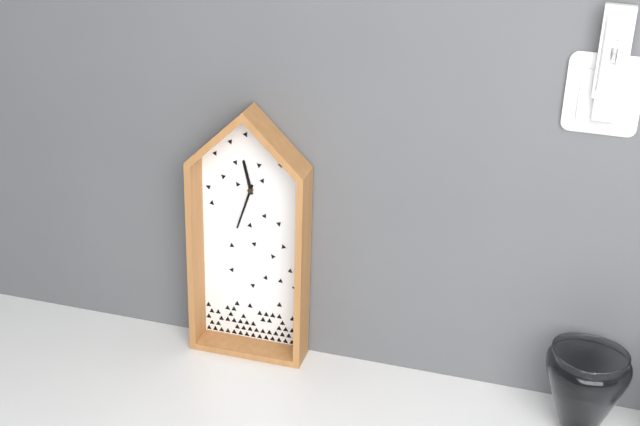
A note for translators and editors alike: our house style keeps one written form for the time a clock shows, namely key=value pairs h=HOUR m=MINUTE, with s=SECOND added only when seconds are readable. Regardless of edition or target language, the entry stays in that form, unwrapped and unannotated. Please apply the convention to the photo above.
h=11 m=33
